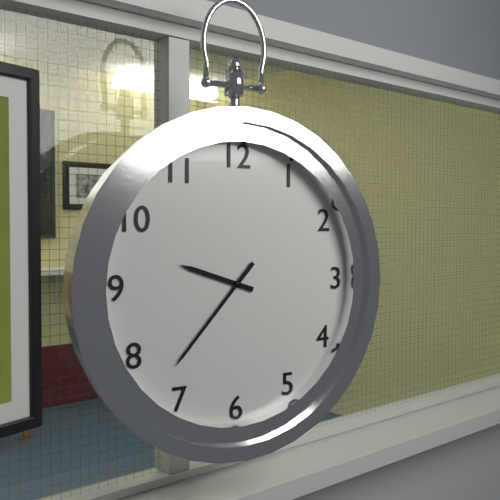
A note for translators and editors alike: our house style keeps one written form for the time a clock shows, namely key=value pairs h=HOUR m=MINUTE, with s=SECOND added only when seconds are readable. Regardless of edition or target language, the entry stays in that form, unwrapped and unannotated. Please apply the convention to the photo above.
h=9 m=37
